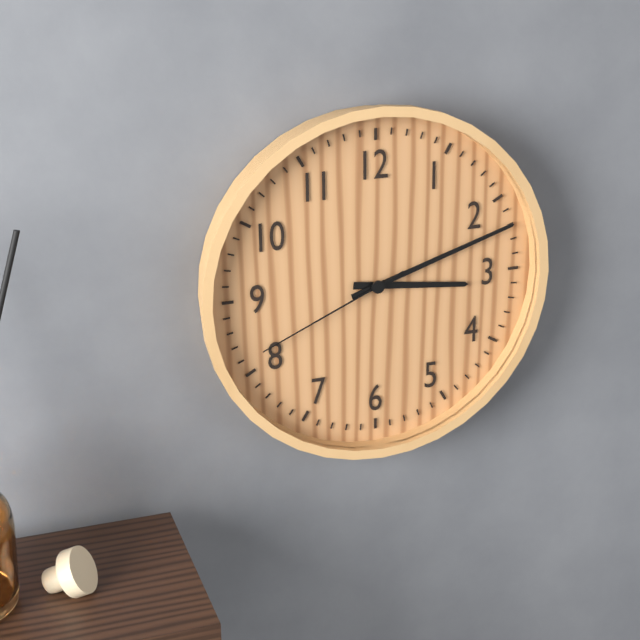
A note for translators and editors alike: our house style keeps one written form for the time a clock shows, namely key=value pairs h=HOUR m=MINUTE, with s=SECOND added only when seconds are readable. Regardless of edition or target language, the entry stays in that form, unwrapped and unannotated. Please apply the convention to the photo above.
h=3 m=12 s=41
